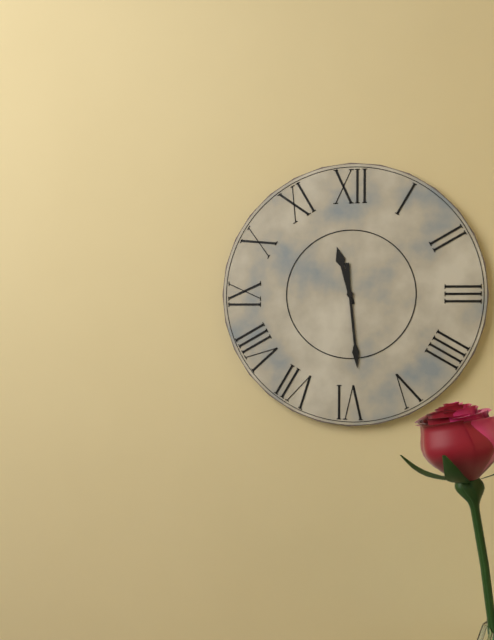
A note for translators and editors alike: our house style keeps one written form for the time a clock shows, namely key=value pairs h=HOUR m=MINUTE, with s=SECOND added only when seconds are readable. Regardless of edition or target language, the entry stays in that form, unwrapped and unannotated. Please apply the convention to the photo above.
h=11 m=29
